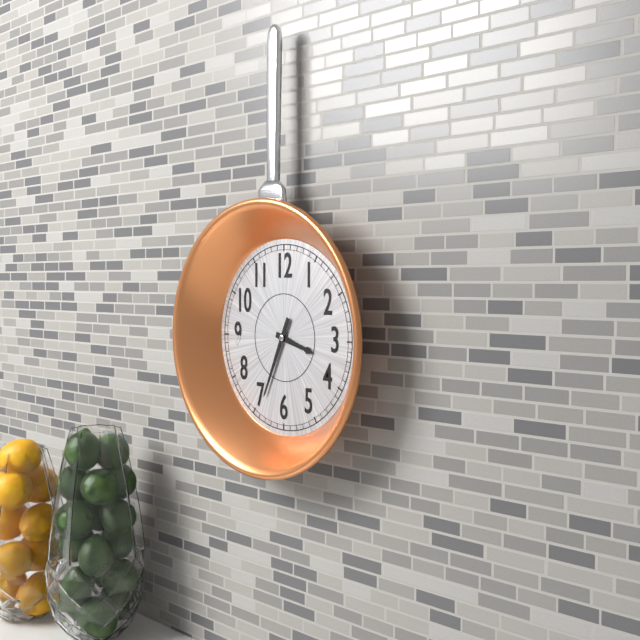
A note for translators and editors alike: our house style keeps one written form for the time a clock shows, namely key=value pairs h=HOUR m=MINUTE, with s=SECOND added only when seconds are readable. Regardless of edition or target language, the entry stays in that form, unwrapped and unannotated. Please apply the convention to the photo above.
h=3 m=34
